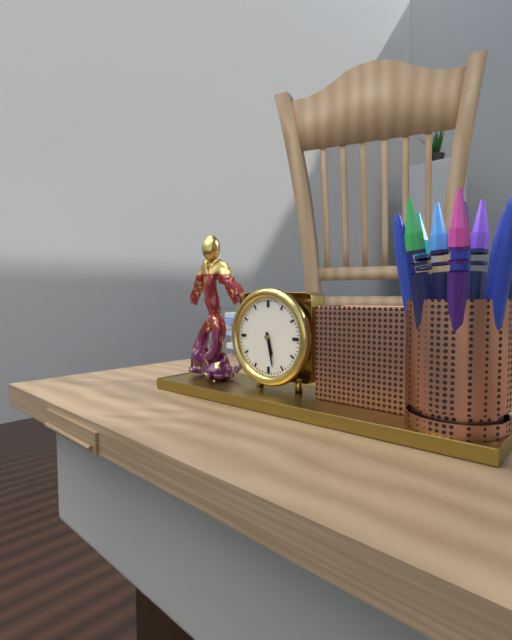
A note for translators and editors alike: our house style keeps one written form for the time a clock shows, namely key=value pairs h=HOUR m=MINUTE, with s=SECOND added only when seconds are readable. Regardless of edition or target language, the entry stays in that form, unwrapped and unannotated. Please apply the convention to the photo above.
h=5 m=28
